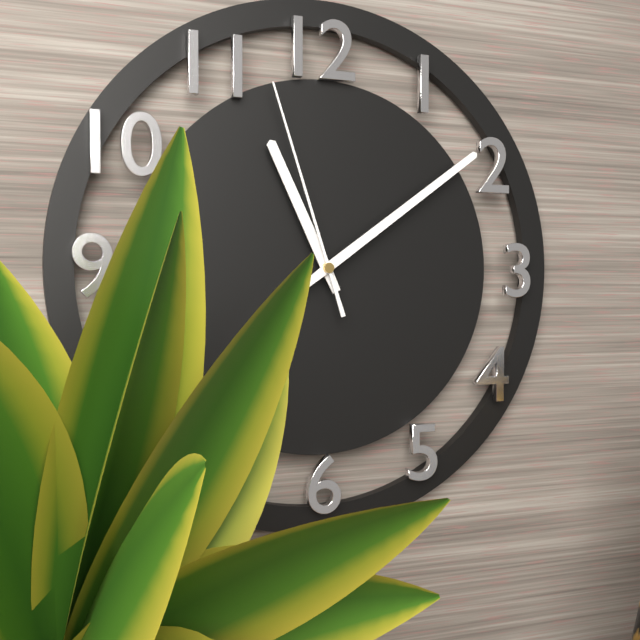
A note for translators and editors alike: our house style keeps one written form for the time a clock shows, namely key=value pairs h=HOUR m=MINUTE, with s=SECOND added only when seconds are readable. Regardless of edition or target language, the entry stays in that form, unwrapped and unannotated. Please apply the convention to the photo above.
h=11 m=9 s=57
